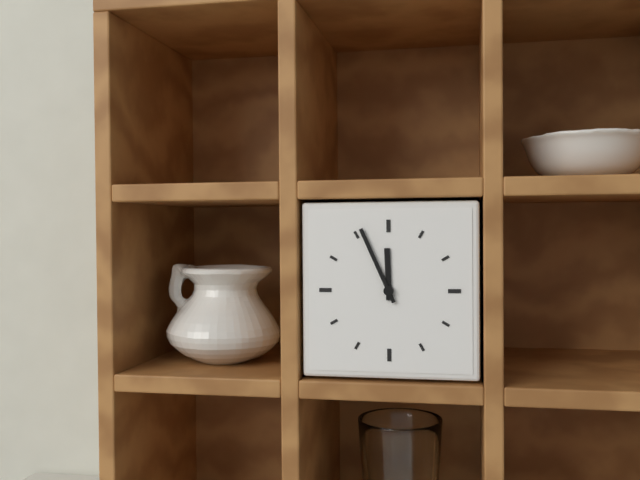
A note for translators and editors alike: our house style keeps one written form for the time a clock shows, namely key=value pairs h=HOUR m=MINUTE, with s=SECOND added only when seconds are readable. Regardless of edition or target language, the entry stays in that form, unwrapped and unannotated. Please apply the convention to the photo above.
h=11 m=56
